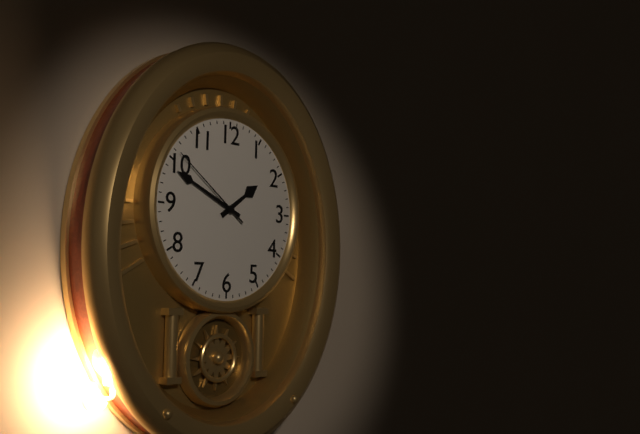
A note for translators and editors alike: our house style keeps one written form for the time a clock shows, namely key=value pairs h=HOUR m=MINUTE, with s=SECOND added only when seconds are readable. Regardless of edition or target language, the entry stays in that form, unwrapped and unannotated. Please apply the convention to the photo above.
h=1 m=49 s=51
